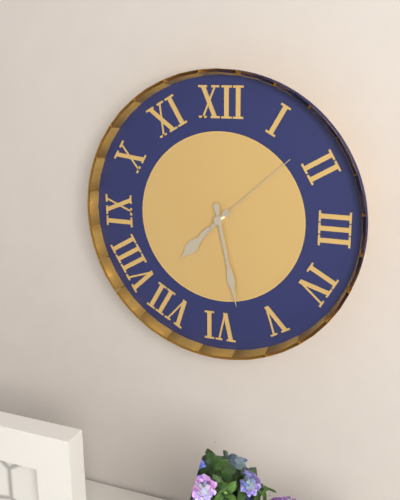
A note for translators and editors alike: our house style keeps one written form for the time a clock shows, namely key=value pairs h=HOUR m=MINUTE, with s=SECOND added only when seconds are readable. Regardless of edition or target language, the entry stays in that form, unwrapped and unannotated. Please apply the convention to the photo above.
h=7 m=28 s=8
